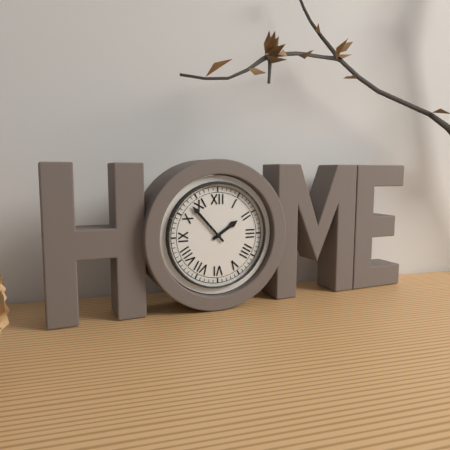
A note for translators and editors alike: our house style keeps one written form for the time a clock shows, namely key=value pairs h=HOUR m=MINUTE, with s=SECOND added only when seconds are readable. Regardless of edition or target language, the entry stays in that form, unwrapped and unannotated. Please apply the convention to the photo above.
h=1 m=53
